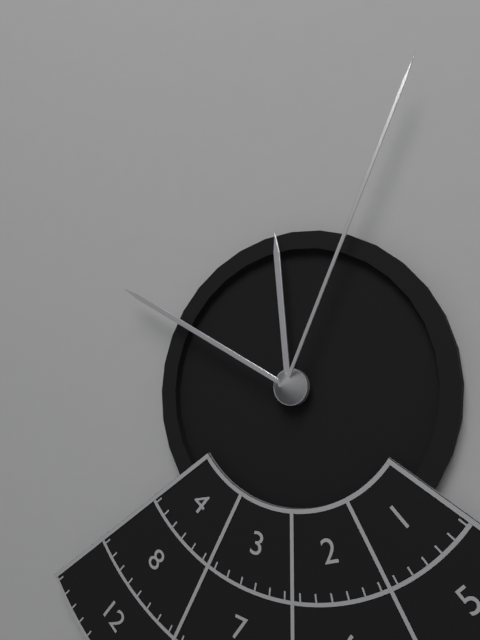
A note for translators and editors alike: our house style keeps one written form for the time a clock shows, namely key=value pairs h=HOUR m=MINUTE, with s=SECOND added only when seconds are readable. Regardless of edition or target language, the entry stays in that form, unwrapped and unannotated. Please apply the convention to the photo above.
h=11 m=50 s=4
